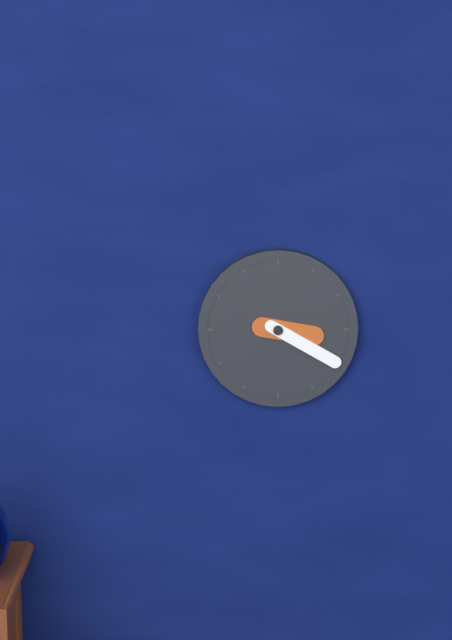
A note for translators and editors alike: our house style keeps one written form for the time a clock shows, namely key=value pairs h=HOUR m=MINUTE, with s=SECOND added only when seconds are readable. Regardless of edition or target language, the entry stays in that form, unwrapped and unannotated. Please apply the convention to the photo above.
h=3 m=20
